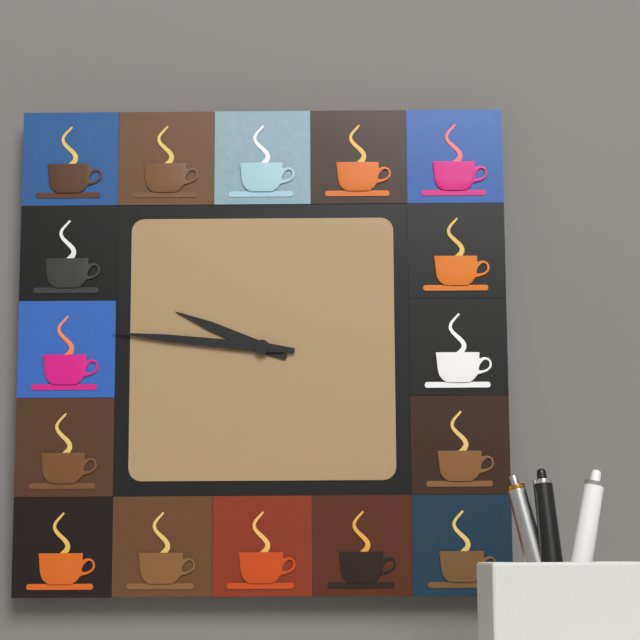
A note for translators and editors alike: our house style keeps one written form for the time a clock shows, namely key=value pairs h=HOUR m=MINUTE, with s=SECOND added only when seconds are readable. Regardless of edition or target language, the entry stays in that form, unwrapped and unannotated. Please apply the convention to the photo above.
h=9 m=46
